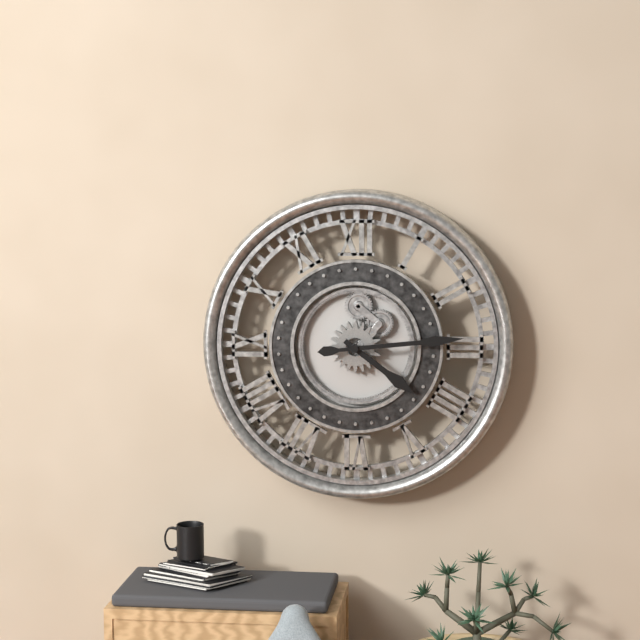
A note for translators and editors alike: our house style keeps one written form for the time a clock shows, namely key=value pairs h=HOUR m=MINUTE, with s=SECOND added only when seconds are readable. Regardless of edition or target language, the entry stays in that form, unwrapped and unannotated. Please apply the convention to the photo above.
h=4 m=14
